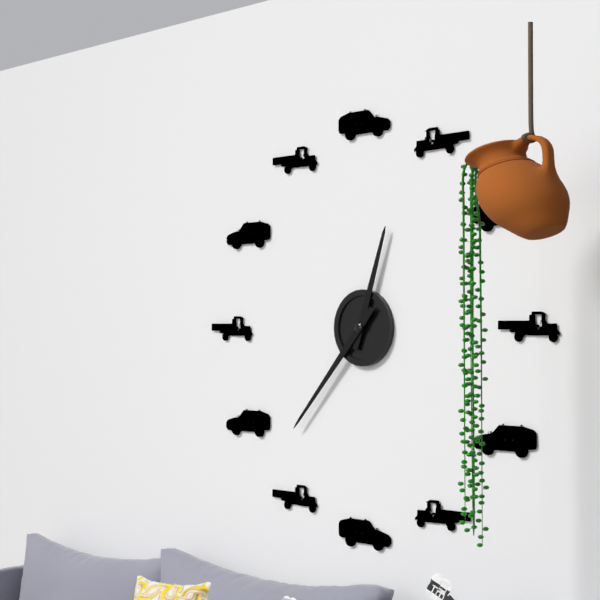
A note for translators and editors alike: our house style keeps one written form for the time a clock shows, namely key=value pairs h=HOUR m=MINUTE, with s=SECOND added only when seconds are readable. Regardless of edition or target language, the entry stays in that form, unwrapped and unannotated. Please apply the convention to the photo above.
h=12 m=37
